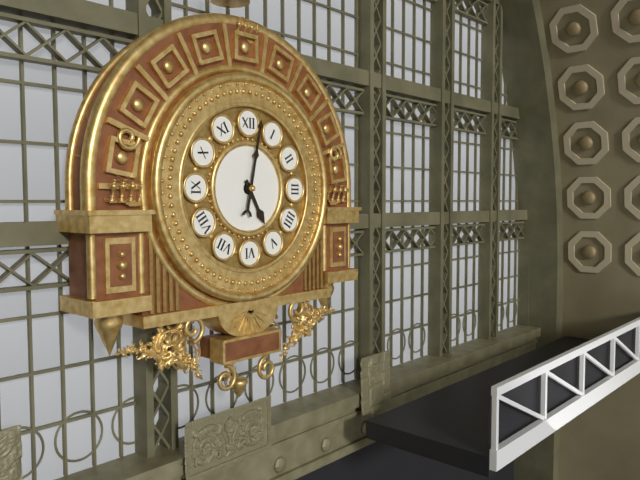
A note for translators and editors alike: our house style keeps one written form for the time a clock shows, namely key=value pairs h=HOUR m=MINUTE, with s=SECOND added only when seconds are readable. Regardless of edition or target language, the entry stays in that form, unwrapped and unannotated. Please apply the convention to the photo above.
h=5 m=2
